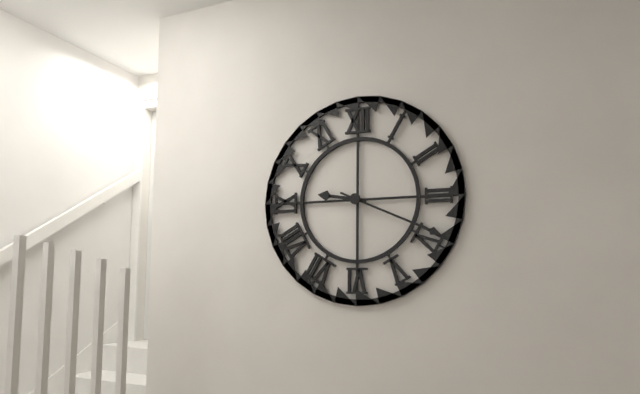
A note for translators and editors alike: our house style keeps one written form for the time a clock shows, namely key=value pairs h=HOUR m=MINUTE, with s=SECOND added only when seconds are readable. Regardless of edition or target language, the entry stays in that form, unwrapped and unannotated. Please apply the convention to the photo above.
h=9 m=19
